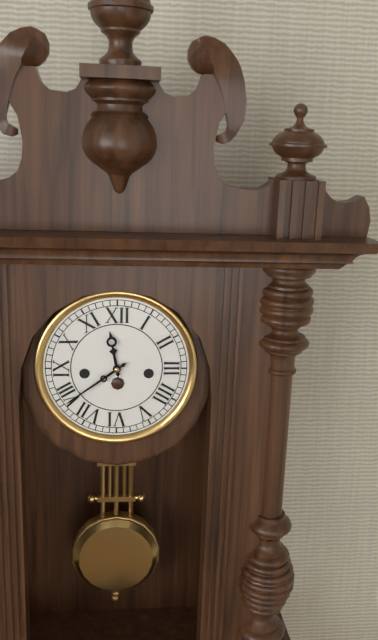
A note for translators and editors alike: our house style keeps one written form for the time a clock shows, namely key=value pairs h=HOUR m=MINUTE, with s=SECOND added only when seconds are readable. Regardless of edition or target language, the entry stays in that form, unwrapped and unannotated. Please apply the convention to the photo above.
h=11 m=39
